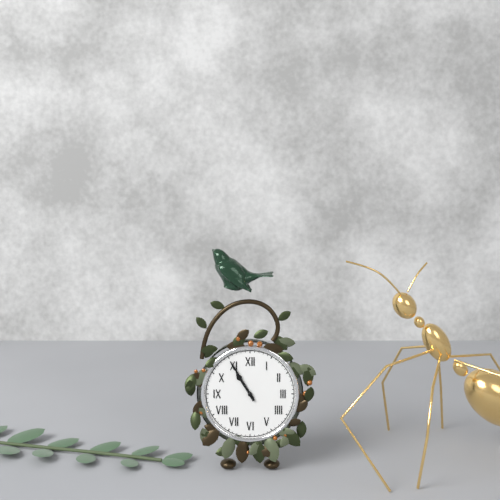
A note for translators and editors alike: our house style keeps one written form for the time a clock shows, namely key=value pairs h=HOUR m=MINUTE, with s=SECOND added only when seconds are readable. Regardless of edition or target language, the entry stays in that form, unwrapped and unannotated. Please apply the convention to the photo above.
h=10 m=55
